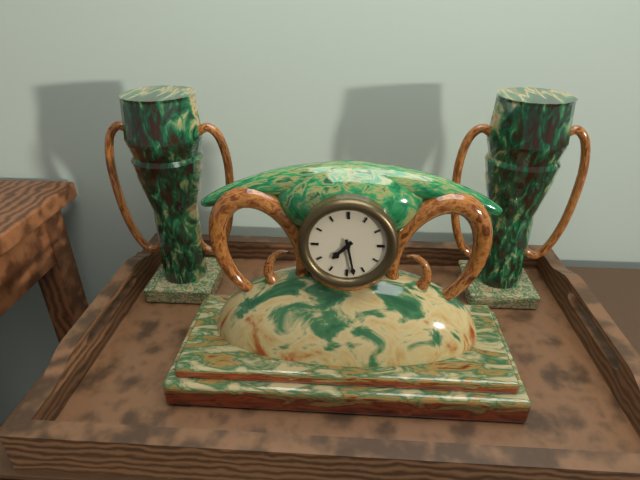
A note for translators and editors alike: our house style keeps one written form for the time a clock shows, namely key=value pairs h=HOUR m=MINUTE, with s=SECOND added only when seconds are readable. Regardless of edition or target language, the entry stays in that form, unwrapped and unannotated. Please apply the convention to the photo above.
h=7 m=28
